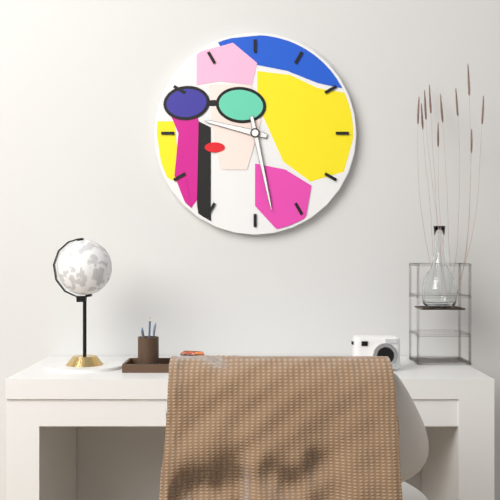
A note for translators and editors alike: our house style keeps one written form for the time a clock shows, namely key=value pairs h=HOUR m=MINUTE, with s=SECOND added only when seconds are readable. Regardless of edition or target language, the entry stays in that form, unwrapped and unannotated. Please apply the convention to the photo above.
h=9 m=28
